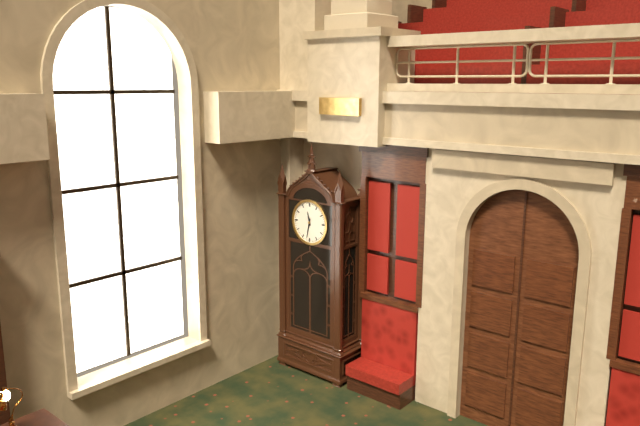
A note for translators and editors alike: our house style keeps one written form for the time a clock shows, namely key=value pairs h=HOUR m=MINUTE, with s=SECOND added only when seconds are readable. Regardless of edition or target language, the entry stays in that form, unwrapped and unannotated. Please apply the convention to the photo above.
h=11 m=32
